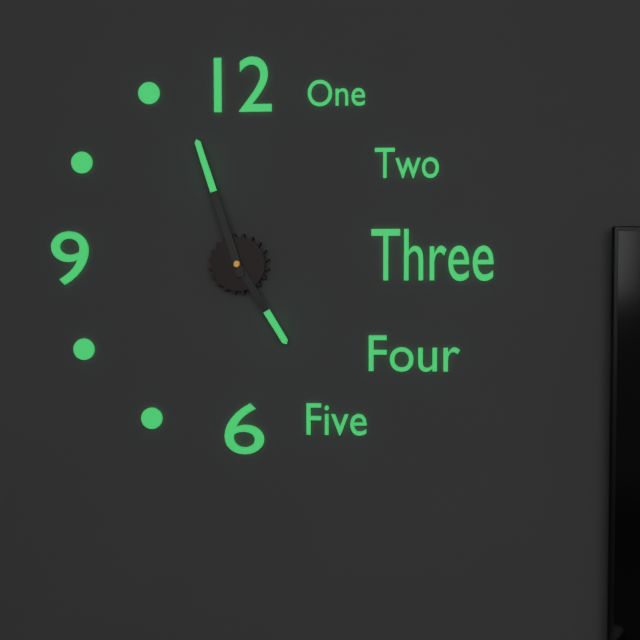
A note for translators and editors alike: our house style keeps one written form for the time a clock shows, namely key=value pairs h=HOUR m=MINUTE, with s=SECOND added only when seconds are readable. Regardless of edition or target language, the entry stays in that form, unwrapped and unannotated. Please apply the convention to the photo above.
h=4 m=57
